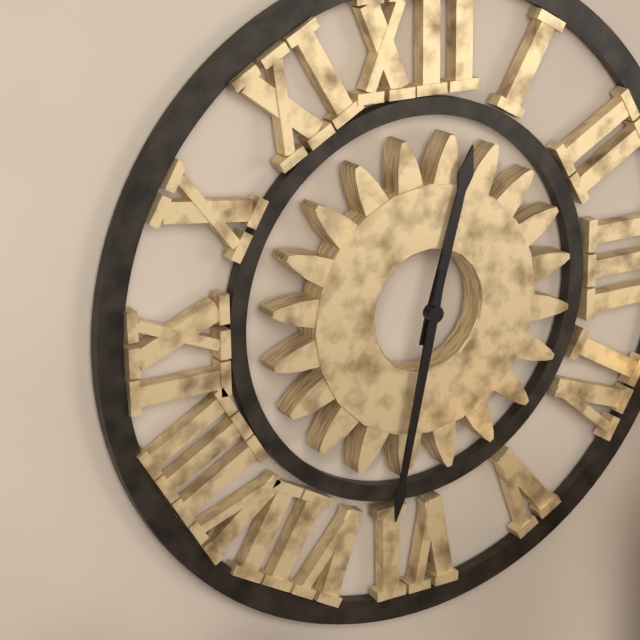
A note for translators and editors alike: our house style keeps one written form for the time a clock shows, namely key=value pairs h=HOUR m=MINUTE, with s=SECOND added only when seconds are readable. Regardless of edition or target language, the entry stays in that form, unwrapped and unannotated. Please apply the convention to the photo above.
h=12 m=32
